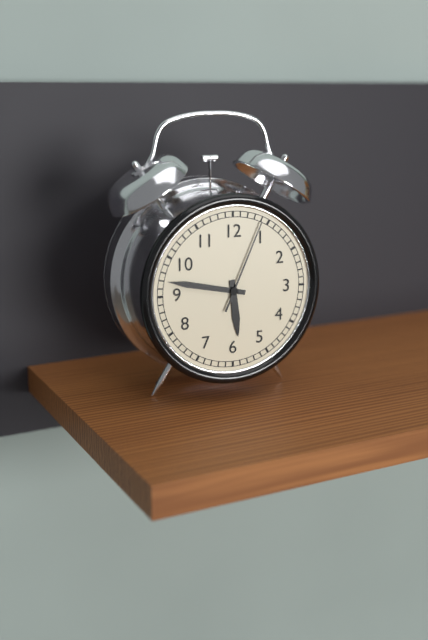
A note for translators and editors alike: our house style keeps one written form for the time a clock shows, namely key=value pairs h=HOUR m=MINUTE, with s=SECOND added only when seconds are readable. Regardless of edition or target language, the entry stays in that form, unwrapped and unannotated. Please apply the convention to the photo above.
h=5 m=47 s=4
